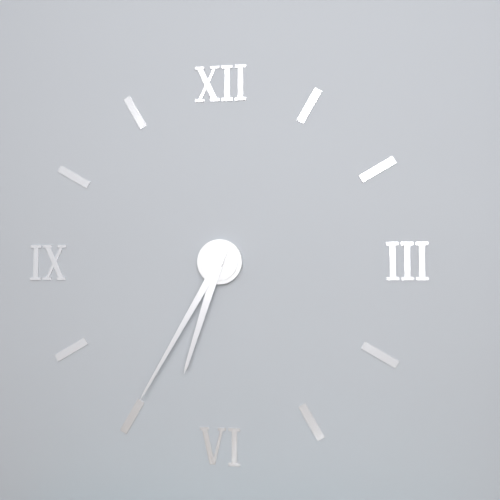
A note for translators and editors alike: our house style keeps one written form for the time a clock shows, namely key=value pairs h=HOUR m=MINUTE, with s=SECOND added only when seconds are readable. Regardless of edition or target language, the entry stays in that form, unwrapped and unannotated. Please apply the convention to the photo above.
h=6 m=35
